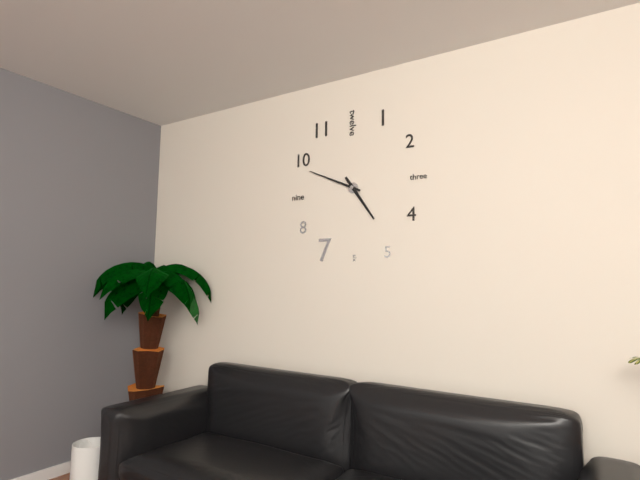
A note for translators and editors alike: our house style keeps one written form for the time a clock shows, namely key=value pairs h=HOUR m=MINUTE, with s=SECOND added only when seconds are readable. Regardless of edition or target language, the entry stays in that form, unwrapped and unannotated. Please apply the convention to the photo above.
h=4 m=49
